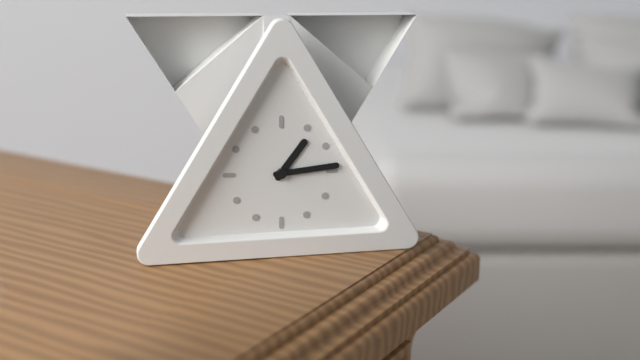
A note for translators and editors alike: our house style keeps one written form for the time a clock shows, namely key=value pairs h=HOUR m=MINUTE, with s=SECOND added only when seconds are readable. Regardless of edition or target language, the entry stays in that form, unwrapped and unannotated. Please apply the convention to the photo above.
h=1 m=14
